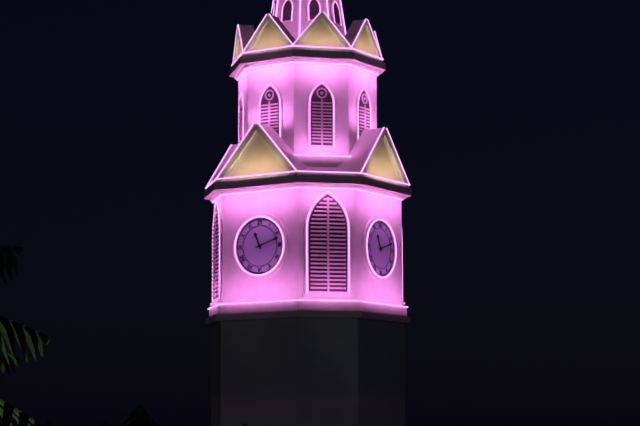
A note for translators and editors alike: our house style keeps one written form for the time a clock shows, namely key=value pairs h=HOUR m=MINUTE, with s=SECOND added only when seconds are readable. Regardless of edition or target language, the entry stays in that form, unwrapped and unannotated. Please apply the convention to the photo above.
h=11 m=12
